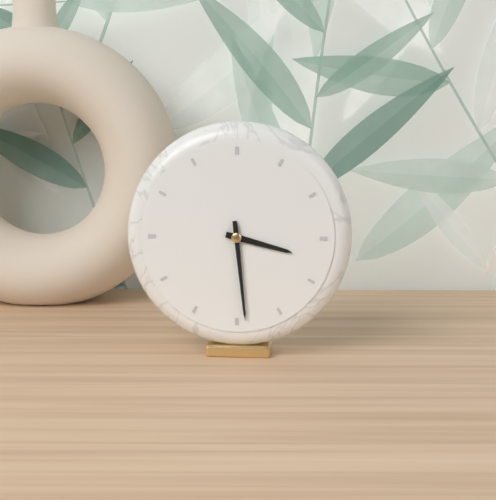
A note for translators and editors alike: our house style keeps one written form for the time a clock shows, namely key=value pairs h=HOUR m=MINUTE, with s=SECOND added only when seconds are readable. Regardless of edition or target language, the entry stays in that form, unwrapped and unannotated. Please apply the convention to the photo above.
h=3 m=29
